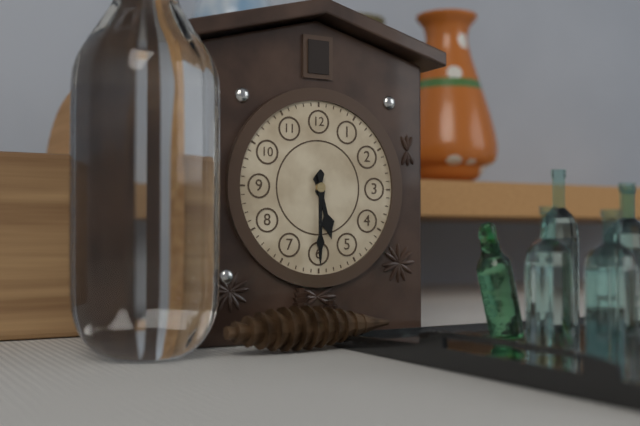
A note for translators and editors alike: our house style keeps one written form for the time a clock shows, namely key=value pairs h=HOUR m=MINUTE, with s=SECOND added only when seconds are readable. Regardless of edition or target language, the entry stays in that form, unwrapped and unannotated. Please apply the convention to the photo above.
h=5 m=30
